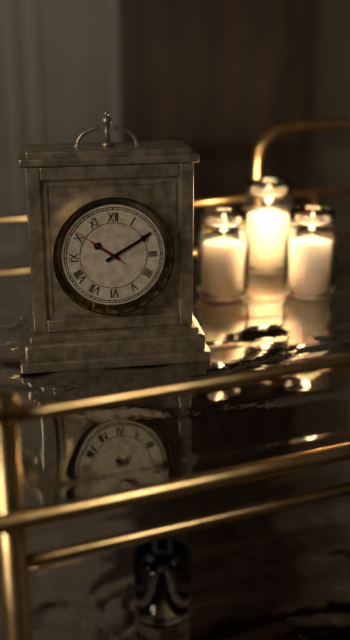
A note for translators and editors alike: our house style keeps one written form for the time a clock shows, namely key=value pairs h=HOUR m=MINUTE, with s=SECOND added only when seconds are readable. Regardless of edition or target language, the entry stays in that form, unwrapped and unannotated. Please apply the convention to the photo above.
h=10 m=10 s=51
